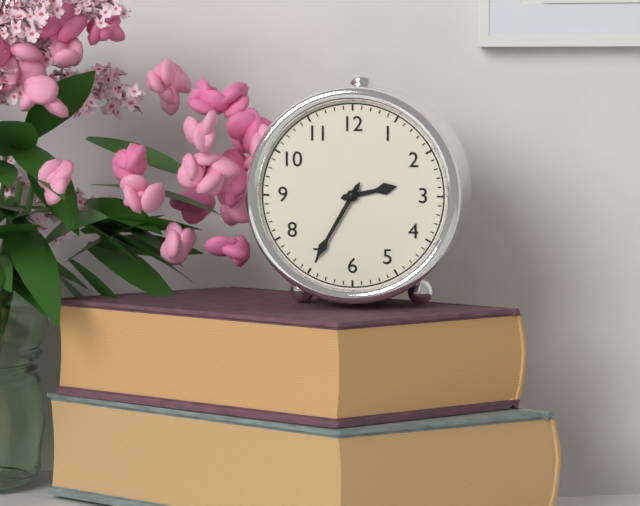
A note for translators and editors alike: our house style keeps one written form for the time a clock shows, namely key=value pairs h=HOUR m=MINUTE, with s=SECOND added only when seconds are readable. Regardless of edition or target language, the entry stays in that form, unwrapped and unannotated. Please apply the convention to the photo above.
h=2 m=35
